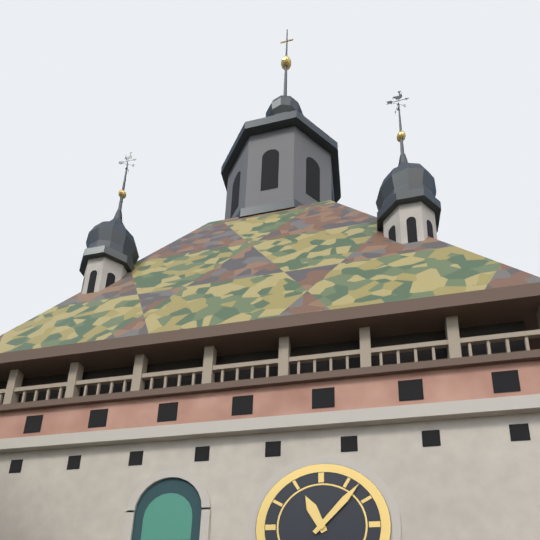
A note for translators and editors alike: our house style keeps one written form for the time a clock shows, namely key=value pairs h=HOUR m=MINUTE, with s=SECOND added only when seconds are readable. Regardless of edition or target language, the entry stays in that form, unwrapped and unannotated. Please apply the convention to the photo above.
h=11 m=7
